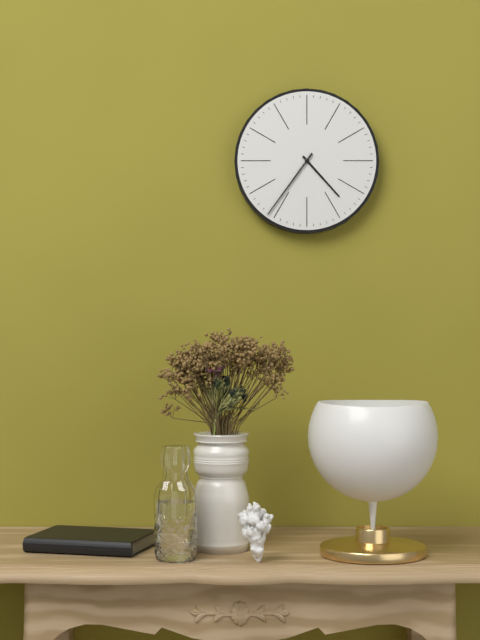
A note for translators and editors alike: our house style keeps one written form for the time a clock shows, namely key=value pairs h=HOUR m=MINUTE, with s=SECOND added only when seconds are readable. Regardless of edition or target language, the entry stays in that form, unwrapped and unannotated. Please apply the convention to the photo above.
h=4 m=36
